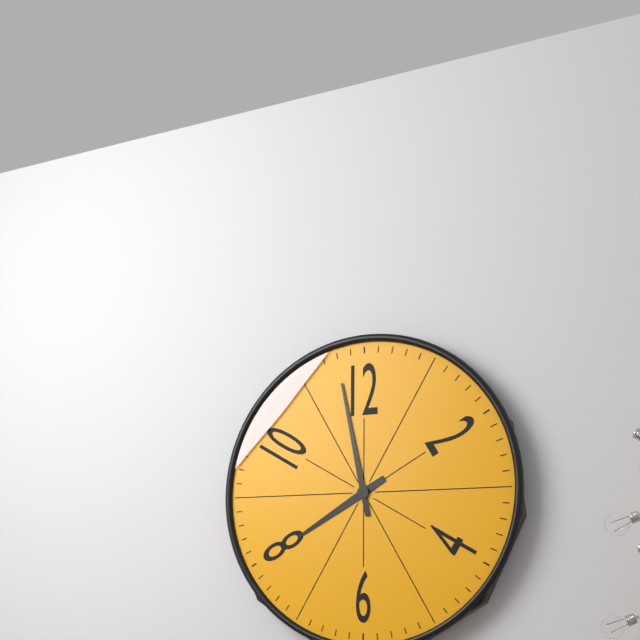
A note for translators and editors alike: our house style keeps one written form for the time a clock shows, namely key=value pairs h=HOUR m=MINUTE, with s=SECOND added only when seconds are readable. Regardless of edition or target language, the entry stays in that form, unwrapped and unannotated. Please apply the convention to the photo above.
h=7 m=58
